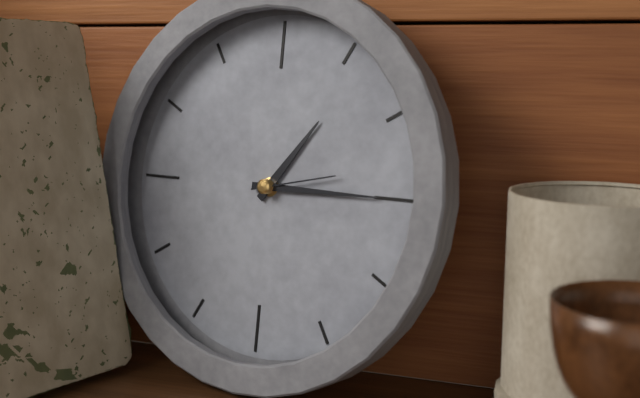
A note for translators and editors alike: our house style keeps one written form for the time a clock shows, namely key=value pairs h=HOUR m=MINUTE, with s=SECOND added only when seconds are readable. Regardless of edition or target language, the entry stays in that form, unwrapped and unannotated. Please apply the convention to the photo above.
h=1 m=15 s=13
